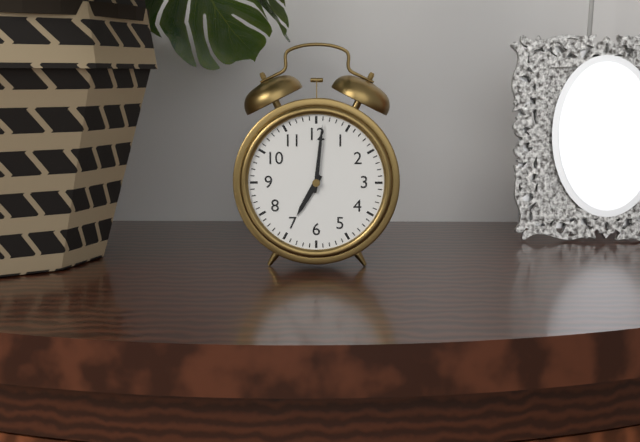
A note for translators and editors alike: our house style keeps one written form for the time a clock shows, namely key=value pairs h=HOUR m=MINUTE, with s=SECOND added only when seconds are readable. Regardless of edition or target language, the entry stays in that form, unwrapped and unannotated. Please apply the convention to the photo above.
h=7 m=1
